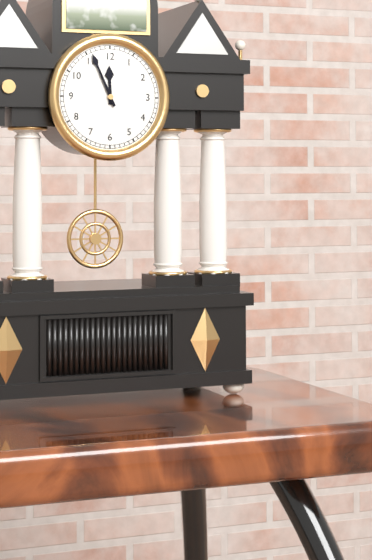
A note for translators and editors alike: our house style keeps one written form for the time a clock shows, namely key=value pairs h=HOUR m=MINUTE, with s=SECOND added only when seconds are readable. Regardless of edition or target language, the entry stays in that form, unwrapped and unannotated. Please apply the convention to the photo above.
h=11 m=56
